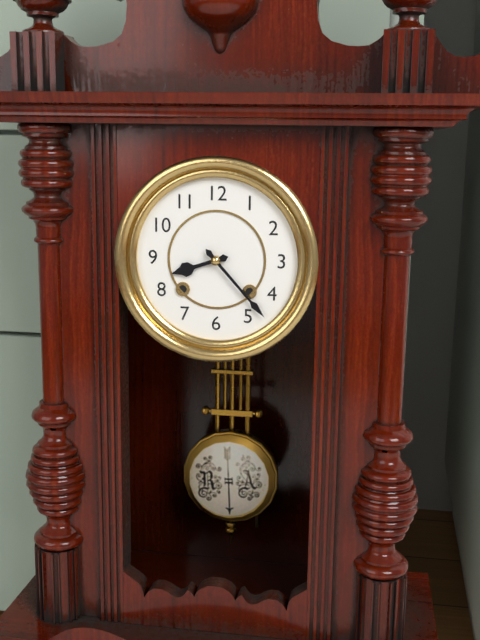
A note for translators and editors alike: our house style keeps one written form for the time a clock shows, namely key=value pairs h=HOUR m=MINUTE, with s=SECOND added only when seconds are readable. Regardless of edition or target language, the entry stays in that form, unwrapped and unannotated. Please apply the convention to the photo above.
h=8 m=23
